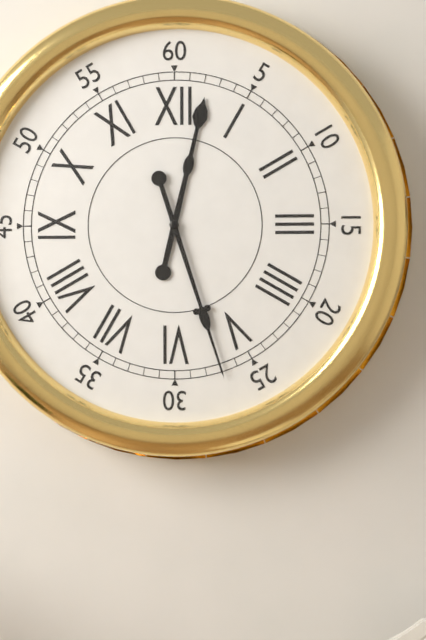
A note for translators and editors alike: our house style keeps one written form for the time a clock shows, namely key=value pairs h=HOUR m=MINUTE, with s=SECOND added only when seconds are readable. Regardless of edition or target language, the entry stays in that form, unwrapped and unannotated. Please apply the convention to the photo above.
h=12 m=27
